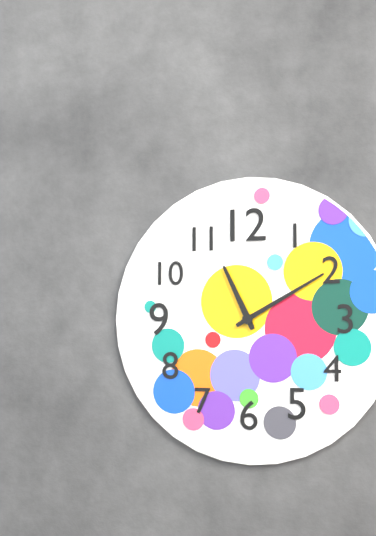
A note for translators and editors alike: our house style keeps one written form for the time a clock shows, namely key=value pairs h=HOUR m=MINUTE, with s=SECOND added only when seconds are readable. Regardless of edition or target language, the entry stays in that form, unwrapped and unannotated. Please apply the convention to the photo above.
h=11 m=10
